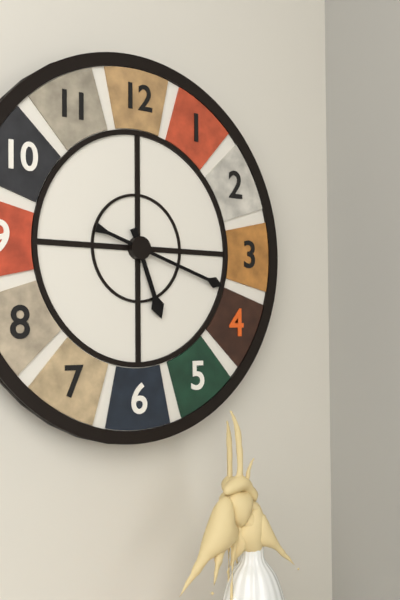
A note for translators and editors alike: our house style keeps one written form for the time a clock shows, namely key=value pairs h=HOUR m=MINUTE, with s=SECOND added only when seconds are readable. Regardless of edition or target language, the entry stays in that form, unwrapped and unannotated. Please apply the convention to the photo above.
h=5 m=18
